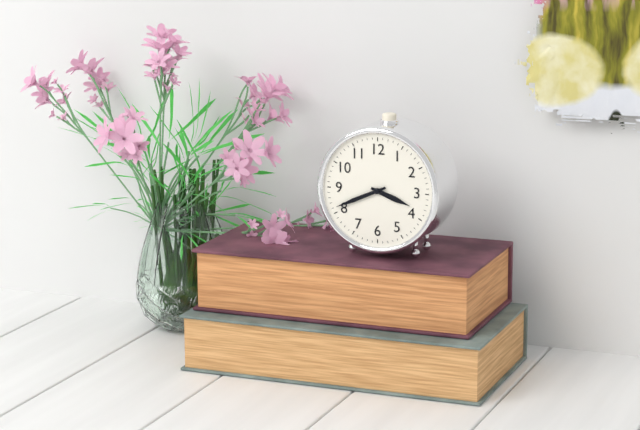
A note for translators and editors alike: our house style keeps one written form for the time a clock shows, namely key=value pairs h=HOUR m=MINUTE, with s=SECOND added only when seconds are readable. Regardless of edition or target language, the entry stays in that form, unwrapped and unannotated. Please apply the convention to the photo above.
h=3 m=41
